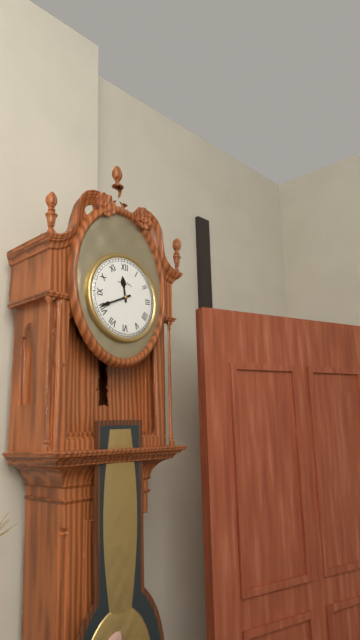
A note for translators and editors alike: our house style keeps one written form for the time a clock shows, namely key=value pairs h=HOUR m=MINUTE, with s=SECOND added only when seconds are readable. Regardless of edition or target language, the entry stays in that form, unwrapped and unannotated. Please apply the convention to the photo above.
h=11 m=41
